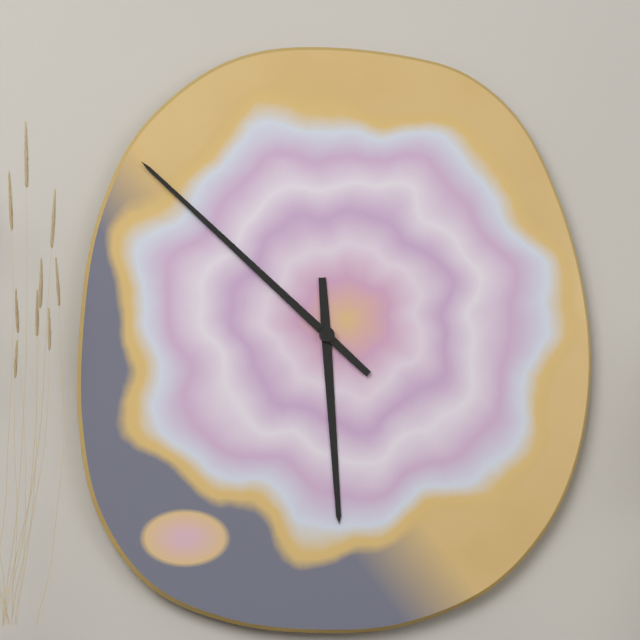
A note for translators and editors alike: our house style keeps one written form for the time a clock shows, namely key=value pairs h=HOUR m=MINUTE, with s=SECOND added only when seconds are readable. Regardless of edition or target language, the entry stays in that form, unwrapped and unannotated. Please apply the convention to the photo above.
h=5 m=52
